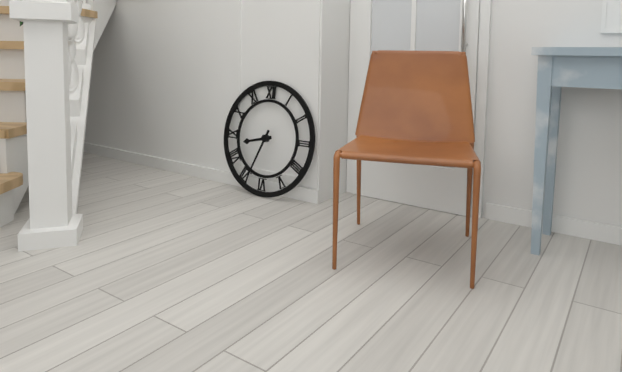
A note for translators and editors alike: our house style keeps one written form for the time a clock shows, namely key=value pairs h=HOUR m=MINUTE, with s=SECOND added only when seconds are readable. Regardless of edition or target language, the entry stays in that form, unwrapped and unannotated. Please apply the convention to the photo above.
h=8 m=34
